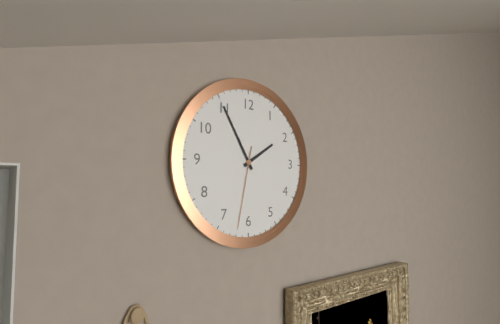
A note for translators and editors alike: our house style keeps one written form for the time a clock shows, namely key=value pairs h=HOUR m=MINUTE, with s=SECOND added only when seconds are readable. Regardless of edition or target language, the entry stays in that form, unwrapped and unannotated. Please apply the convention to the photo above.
h=1 m=55 s=32
